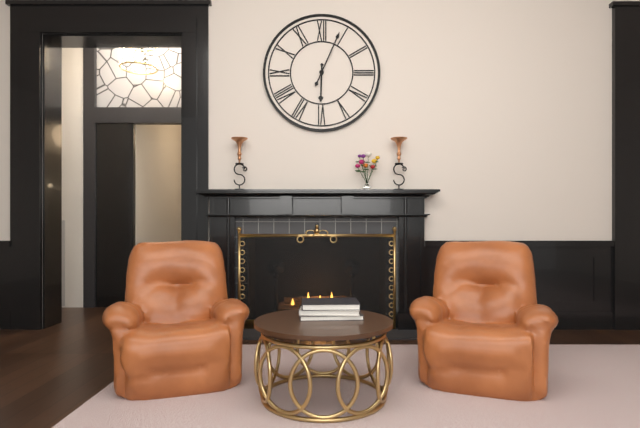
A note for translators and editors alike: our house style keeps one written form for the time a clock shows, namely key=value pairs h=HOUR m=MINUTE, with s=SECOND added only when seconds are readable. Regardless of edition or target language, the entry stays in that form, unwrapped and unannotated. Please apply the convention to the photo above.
h=6 m=4
